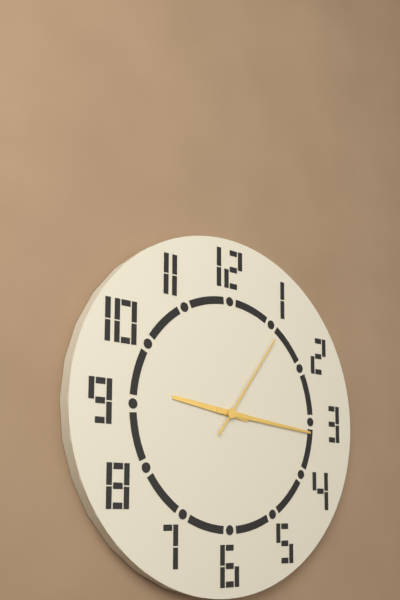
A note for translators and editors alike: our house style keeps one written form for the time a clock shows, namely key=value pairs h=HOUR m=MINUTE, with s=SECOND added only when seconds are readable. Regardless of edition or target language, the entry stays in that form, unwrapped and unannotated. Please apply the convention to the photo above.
h=9 m=16 s=6
